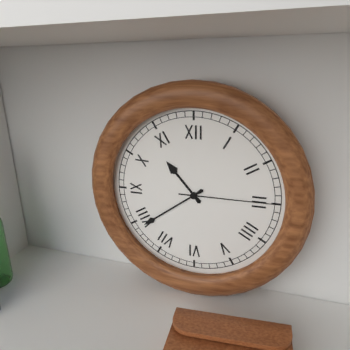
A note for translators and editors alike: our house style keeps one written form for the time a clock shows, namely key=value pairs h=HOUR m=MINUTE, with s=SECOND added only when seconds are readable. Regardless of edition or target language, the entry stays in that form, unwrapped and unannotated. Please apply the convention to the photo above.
h=10 m=39 s=15
